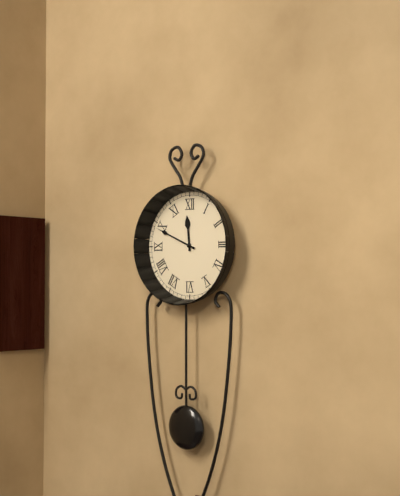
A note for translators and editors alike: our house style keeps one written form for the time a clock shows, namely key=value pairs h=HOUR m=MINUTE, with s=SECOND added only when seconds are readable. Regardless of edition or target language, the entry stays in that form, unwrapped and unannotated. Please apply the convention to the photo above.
h=11 m=49
